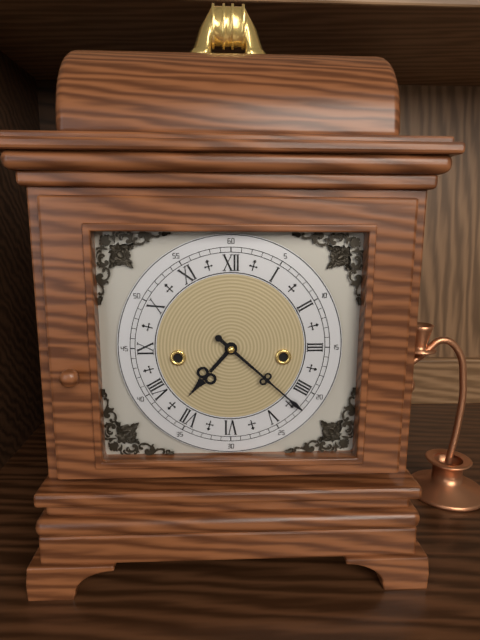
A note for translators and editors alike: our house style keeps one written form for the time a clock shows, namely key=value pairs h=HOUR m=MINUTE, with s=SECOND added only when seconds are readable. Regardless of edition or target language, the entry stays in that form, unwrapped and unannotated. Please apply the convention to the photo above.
h=7 m=22
